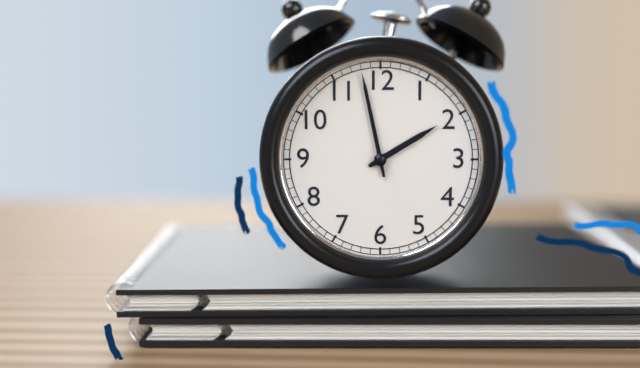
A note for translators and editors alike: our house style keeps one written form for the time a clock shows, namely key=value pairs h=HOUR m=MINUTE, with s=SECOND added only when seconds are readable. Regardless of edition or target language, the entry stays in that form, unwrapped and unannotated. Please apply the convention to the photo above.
h=1 m=58
